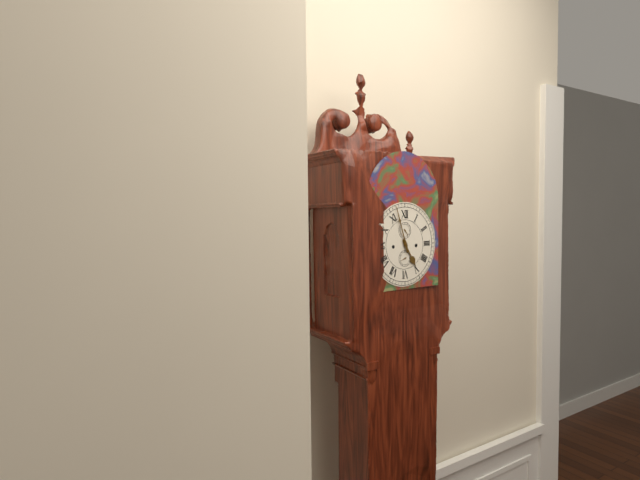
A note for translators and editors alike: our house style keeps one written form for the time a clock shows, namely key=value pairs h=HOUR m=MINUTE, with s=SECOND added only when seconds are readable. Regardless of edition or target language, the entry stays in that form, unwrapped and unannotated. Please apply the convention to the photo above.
h=4 m=57
